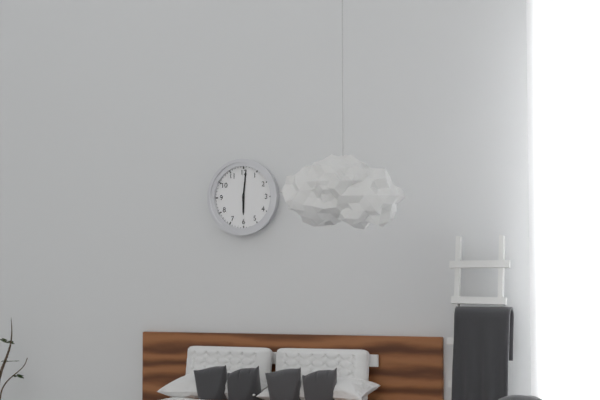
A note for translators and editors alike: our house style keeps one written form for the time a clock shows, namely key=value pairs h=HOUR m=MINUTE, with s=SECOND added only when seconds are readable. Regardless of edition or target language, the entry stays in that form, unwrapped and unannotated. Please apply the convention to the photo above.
h=6 m=1
